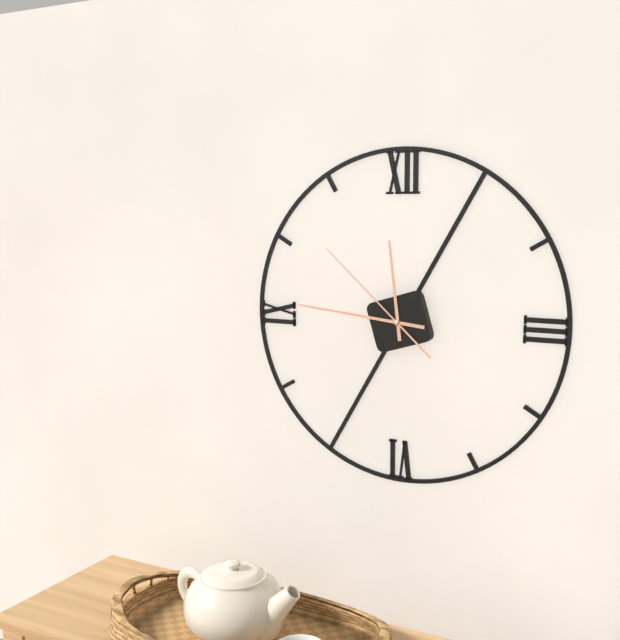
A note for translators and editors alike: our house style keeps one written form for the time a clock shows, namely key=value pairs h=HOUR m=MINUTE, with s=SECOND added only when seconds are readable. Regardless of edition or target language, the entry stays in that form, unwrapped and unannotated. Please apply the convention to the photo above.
h=11 m=46 s=52
